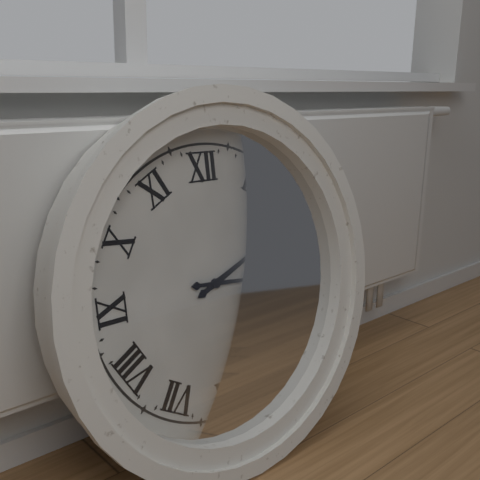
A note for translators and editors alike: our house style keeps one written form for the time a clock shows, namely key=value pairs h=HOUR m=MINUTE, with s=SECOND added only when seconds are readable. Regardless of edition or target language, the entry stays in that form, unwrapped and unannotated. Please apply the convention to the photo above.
h=2 m=16
